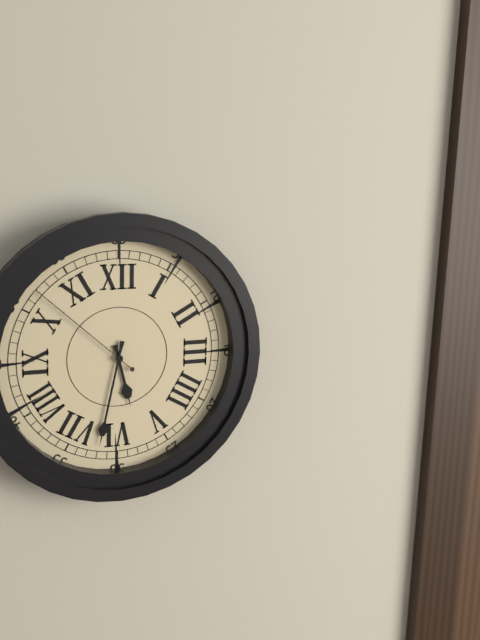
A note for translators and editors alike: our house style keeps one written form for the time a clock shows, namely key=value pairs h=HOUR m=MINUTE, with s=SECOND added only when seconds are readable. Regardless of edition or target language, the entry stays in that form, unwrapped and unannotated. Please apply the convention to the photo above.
h=5 m=32 s=52
